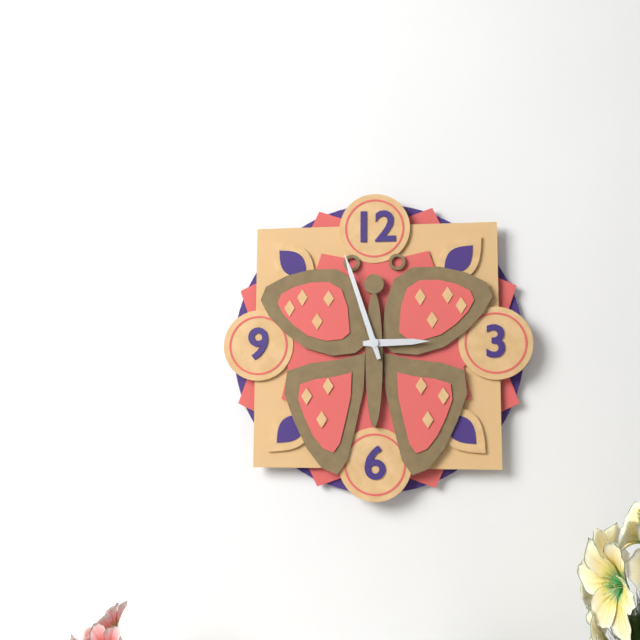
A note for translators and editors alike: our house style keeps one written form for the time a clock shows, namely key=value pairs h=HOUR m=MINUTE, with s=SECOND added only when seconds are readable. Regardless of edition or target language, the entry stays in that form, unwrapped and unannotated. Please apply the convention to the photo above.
h=2 m=57
